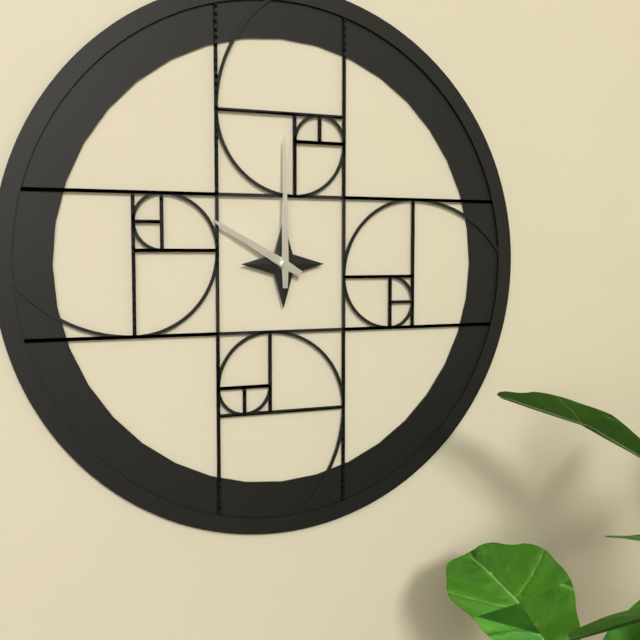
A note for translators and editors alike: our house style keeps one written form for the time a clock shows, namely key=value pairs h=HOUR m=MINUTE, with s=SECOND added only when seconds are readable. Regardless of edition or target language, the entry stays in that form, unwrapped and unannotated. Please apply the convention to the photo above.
h=10 m=0
